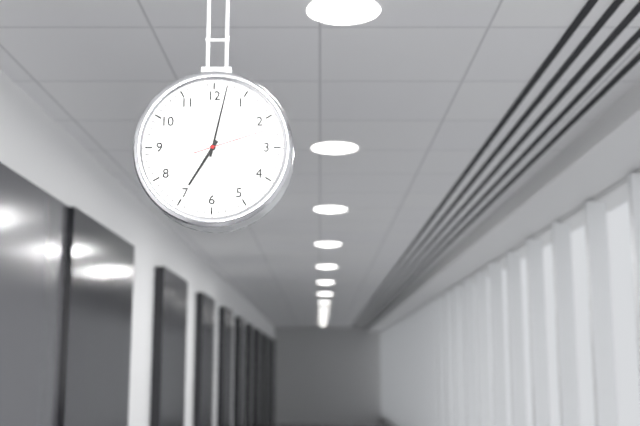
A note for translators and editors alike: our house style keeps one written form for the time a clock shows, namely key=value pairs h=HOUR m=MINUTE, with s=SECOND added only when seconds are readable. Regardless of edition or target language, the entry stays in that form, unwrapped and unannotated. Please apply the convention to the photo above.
h=7 m=2 s=12
